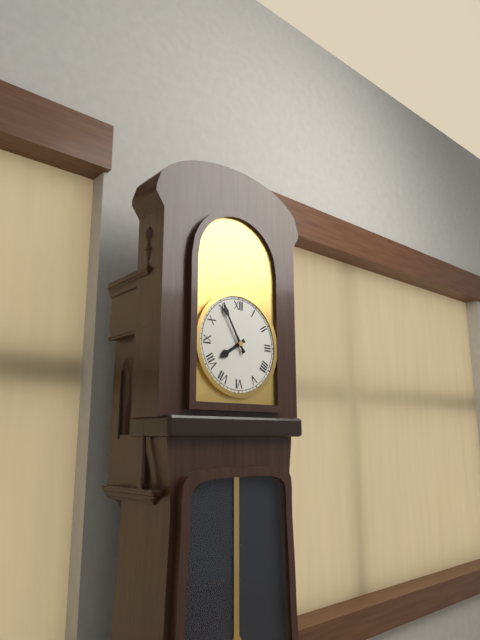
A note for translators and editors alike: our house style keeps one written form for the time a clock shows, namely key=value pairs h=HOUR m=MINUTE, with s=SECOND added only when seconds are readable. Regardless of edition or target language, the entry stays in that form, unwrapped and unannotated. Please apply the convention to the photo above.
h=7 m=55
